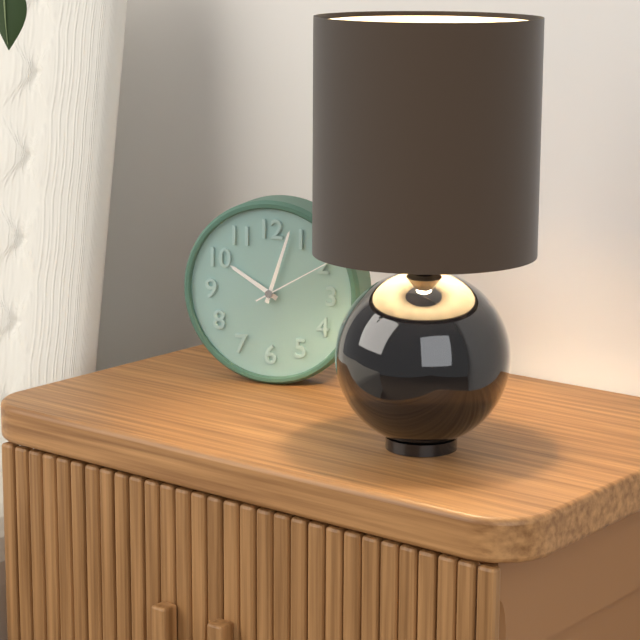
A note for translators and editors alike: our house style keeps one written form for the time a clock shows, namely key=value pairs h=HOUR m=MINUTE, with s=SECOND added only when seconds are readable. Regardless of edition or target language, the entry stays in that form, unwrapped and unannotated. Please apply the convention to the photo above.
h=10 m=3 s=10
